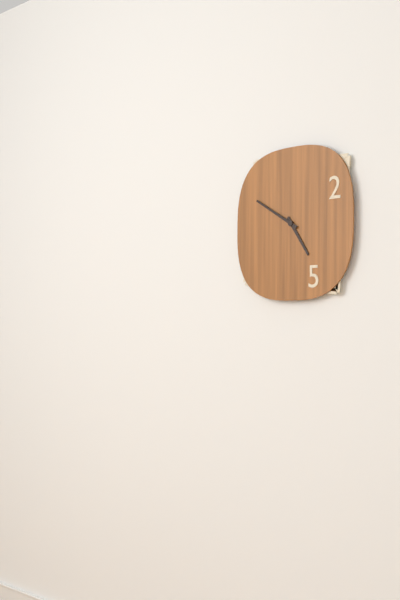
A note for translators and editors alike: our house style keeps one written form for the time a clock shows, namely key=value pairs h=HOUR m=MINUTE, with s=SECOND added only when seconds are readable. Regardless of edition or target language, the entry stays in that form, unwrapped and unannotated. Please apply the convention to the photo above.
h=4 m=50
